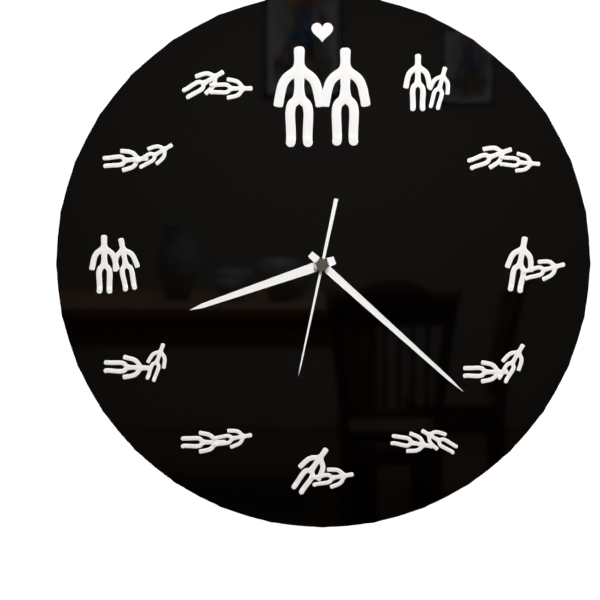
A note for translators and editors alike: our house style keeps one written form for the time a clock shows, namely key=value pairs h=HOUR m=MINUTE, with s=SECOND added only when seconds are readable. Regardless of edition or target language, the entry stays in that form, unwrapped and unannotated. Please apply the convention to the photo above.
h=8 m=22 s=32
